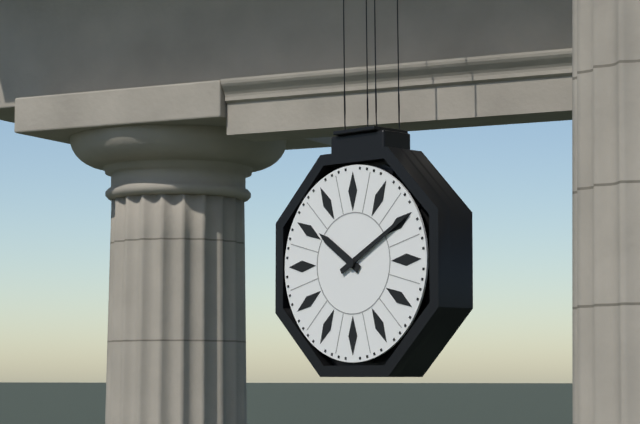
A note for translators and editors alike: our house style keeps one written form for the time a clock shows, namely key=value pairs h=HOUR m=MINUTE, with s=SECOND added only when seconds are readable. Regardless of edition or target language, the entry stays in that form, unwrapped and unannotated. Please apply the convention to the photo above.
h=10 m=10
